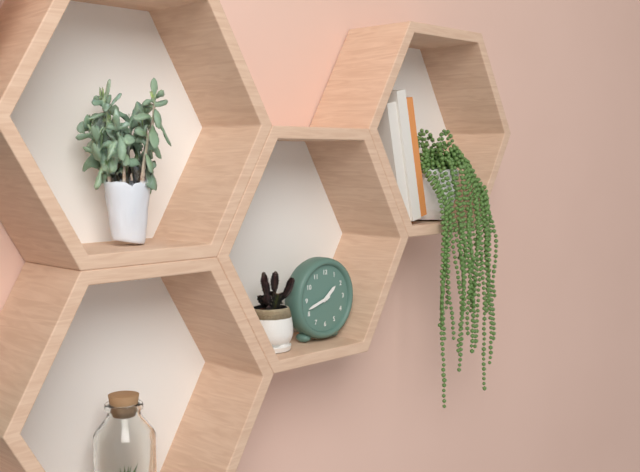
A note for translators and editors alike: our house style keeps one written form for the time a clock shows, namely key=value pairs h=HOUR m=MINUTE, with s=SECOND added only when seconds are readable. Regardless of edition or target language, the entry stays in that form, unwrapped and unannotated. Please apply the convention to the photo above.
h=1 m=42
